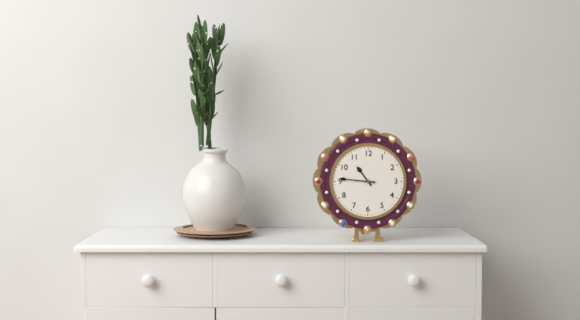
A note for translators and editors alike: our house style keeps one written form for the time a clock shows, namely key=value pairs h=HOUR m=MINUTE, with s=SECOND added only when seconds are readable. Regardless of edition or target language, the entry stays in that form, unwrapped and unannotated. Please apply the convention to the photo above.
h=10 m=46
